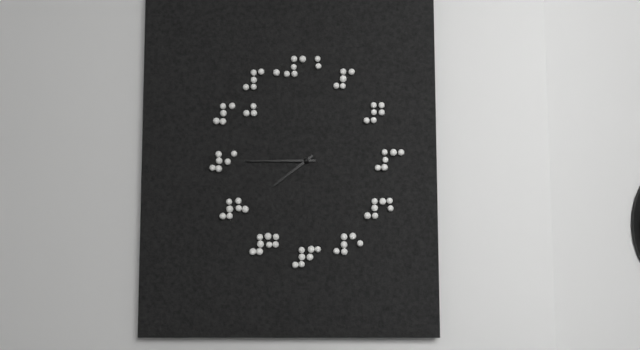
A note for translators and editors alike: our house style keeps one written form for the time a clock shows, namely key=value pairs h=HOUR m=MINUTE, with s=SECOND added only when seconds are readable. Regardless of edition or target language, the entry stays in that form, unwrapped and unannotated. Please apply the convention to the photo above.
h=7 m=45
